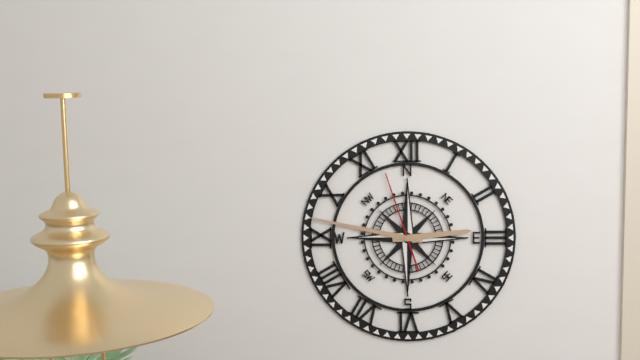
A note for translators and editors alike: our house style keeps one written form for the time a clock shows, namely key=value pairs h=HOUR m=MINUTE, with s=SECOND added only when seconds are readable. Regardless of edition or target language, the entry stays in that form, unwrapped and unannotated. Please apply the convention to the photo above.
h=2 m=47 s=57
